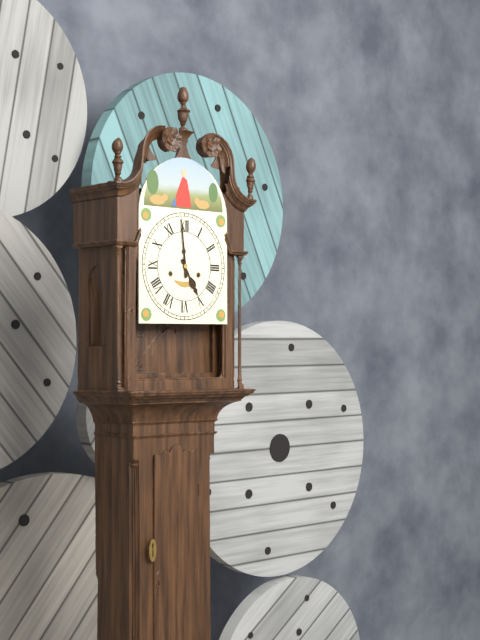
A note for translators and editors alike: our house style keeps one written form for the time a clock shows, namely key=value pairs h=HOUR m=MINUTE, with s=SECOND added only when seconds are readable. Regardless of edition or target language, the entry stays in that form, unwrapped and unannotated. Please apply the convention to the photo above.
h=4 m=59
